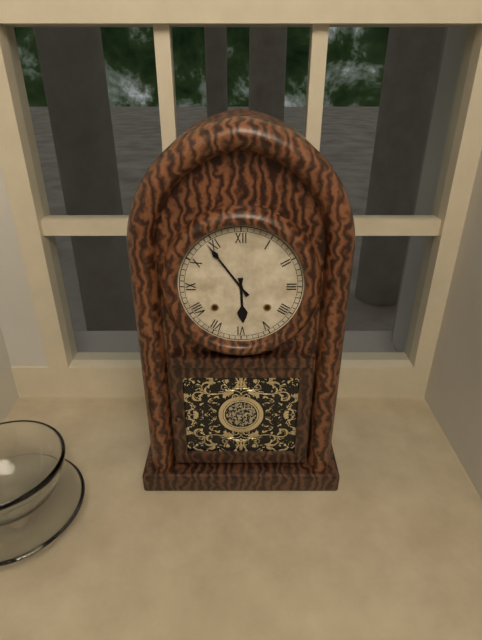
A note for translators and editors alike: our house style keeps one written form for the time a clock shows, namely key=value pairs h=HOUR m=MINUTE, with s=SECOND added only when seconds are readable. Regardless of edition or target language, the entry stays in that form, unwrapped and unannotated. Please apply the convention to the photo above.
h=5 m=54
